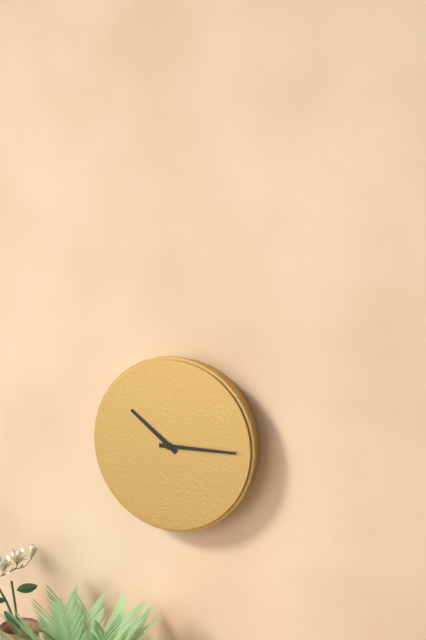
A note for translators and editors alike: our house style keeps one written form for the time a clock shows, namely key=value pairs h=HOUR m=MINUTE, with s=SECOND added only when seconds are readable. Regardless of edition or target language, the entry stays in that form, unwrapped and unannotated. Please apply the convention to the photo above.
h=10 m=15
